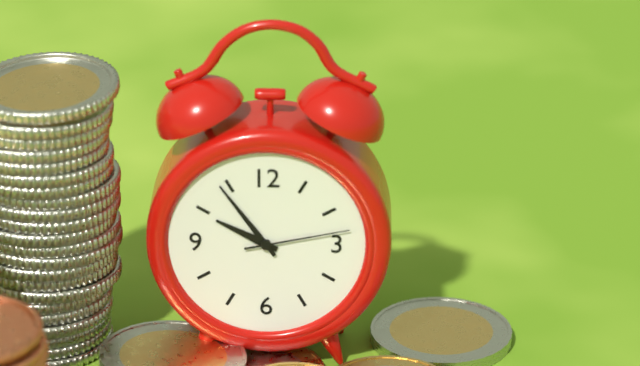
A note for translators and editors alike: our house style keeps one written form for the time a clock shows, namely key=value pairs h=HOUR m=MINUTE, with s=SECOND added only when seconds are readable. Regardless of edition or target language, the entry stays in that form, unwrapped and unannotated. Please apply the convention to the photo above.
h=9 m=54 s=13
